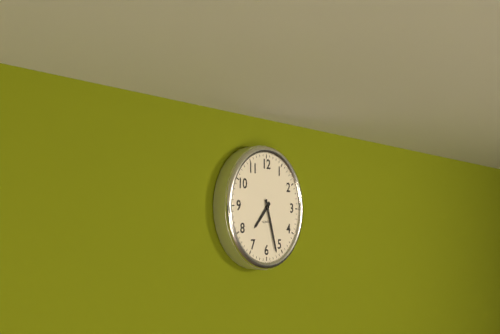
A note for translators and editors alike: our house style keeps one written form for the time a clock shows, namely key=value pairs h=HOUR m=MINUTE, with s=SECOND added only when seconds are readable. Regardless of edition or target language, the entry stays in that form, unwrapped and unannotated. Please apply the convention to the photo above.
h=7 m=27
